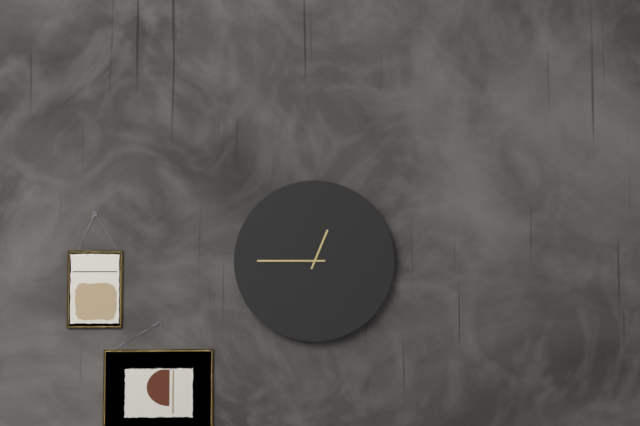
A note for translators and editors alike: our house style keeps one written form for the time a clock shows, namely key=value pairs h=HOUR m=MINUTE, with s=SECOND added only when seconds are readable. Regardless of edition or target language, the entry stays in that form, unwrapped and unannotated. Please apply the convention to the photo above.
h=12 m=45
